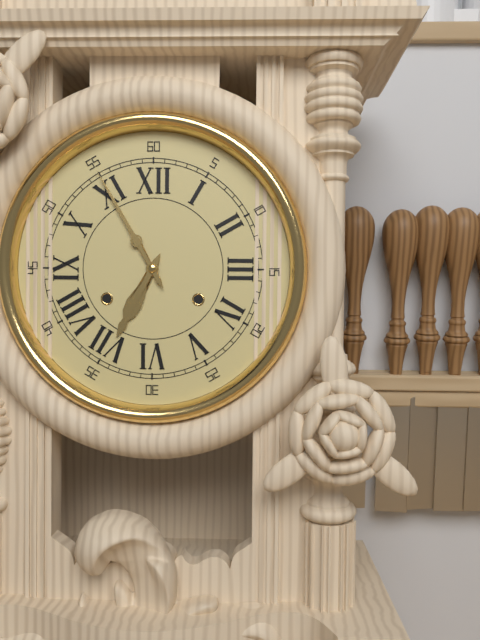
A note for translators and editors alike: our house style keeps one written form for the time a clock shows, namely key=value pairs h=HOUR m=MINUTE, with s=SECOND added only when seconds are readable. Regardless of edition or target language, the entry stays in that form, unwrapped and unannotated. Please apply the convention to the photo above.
h=6 m=55
